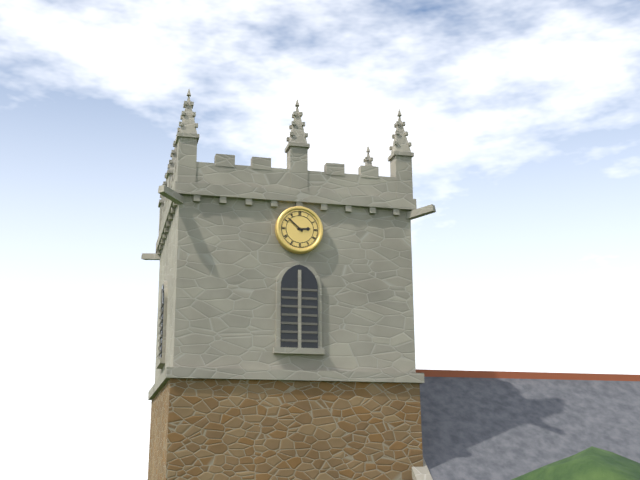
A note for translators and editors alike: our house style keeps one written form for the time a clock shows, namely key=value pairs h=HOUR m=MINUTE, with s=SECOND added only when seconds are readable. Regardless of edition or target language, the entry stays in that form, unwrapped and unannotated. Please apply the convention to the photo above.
h=2 m=52
